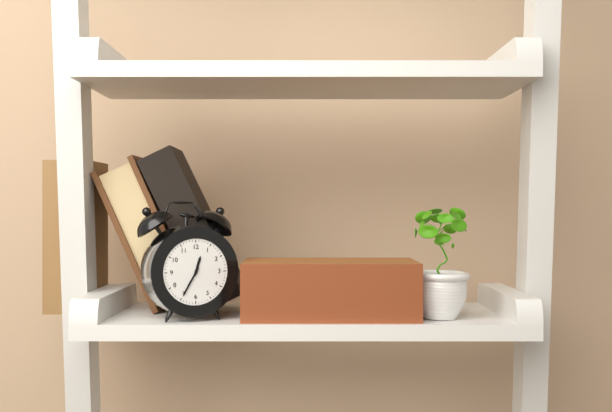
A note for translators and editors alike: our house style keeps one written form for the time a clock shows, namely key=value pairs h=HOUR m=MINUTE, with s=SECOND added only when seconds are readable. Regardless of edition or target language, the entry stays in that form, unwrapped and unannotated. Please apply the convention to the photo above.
h=12 m=35
